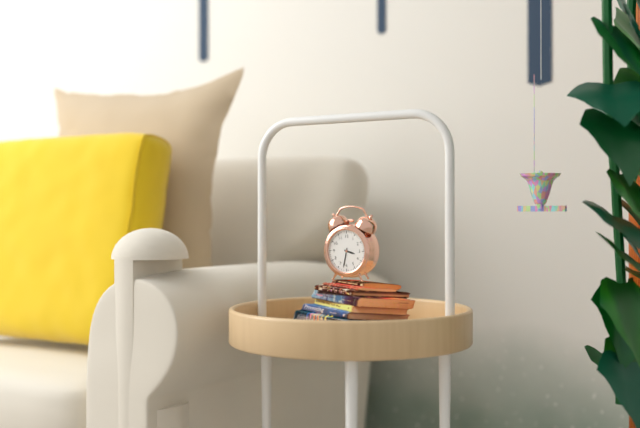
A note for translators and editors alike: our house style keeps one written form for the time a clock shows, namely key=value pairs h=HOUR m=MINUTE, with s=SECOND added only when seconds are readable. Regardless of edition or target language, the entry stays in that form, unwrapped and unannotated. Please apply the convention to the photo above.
h=3 m=32
